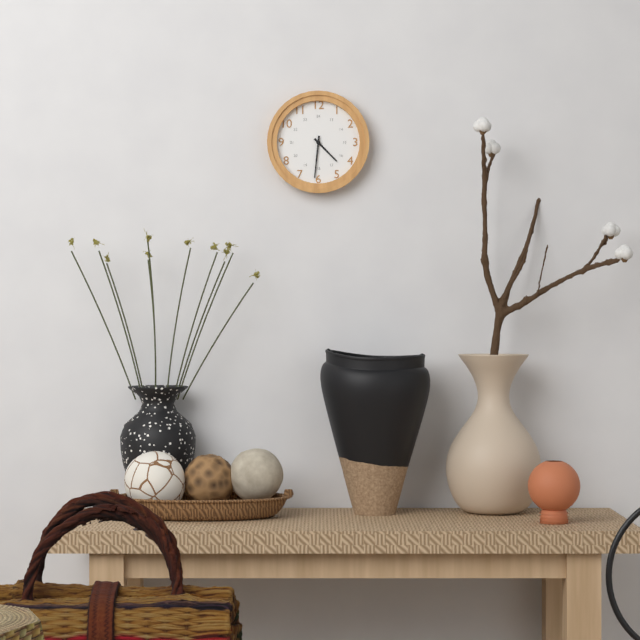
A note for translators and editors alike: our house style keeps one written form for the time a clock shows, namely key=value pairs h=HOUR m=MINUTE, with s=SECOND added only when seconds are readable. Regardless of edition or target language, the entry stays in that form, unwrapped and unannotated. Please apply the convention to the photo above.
h=4 m=31
